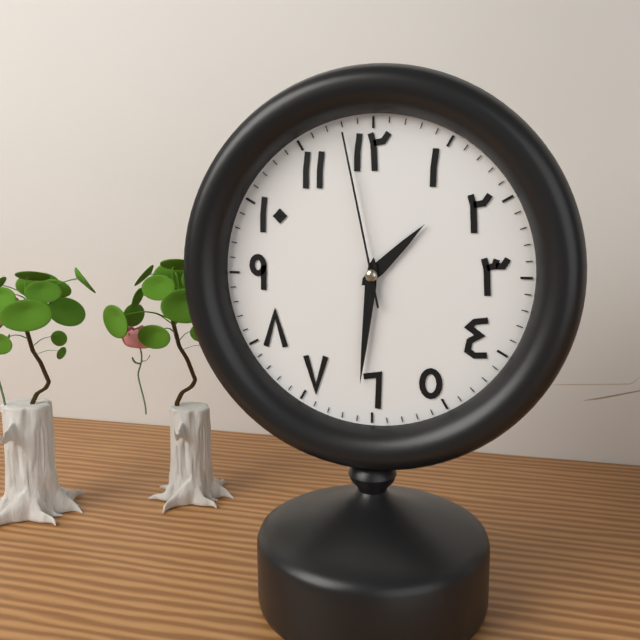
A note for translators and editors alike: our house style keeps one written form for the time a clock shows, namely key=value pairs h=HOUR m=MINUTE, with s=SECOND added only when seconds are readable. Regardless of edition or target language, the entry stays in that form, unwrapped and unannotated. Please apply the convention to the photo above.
h=1 m=31 s=58
